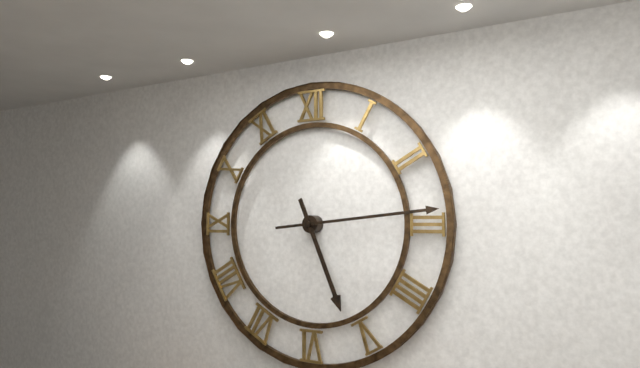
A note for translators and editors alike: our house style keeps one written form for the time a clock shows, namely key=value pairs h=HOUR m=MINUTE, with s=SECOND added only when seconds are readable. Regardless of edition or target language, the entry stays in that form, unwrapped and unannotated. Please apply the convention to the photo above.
h=5 m=14
